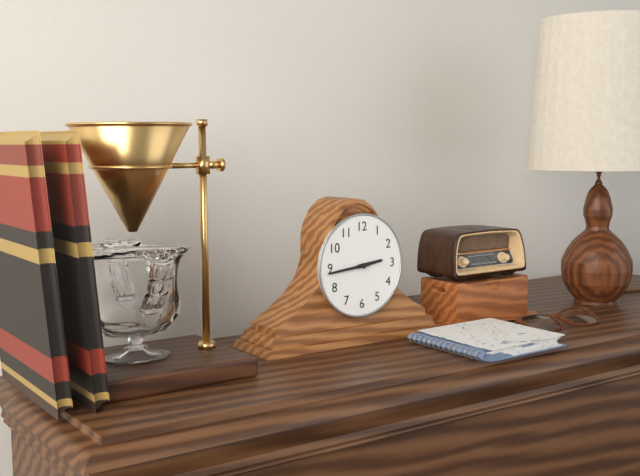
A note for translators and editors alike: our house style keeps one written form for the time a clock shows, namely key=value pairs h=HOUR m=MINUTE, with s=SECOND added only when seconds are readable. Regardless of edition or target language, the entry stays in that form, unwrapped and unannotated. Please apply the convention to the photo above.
h=2 m=44
